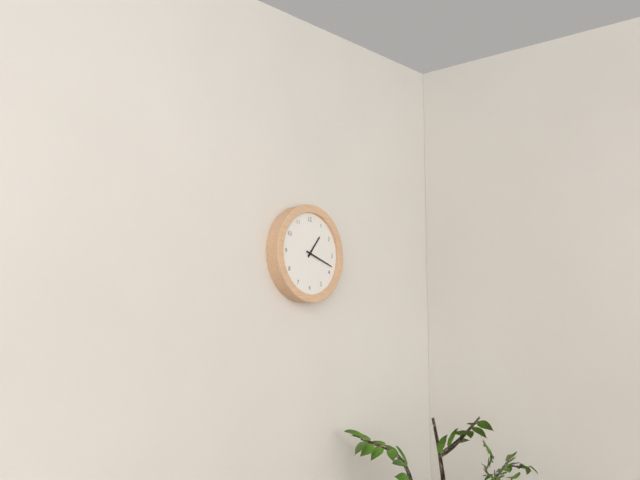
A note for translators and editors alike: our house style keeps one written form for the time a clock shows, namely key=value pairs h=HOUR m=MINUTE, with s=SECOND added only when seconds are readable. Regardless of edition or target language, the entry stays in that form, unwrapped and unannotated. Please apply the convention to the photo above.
h=1 m=18
